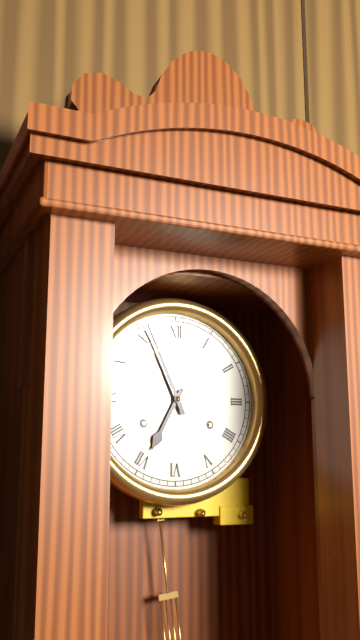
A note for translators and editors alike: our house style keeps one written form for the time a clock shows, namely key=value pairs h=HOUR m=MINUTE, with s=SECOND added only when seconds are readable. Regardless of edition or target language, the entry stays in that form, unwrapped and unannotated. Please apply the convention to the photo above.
h=6 m=56
